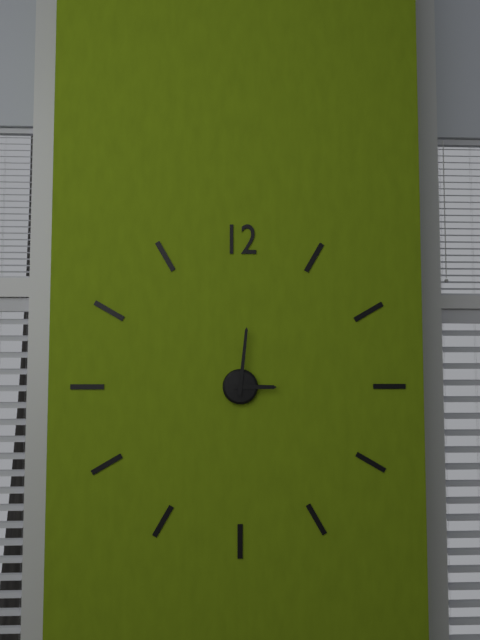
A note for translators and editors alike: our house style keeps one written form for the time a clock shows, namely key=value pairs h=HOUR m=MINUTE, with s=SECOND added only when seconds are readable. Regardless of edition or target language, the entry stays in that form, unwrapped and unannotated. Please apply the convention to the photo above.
h=3 m=1
